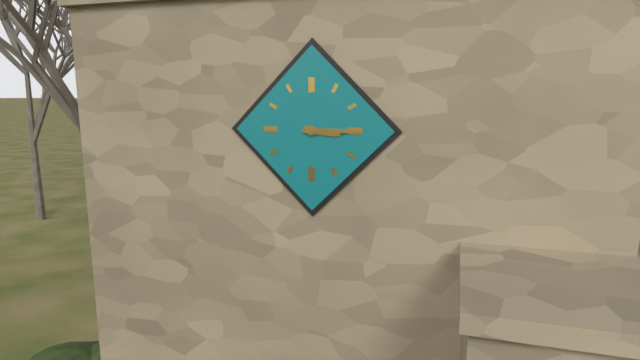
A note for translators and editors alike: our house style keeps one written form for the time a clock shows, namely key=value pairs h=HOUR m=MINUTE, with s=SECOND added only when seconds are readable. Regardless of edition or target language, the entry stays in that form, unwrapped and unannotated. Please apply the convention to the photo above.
h=3 m=15
